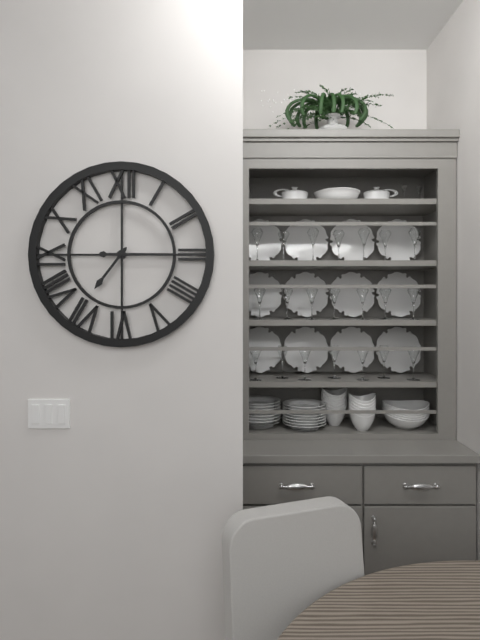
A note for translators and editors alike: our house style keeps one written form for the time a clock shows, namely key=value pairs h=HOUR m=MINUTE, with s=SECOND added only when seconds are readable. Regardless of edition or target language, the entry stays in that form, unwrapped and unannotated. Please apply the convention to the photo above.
h=7 m=15
